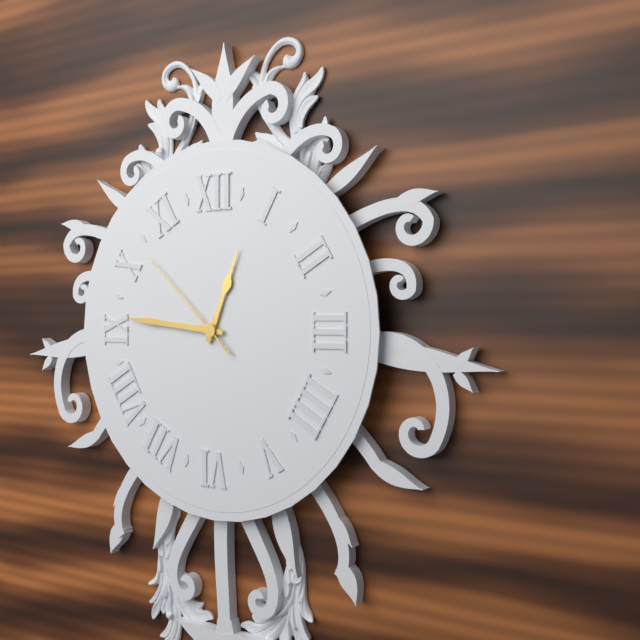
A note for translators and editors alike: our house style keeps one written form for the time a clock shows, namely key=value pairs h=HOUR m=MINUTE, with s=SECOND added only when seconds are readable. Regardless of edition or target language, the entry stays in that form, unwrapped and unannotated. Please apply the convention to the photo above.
h=12 m=46 s=52
